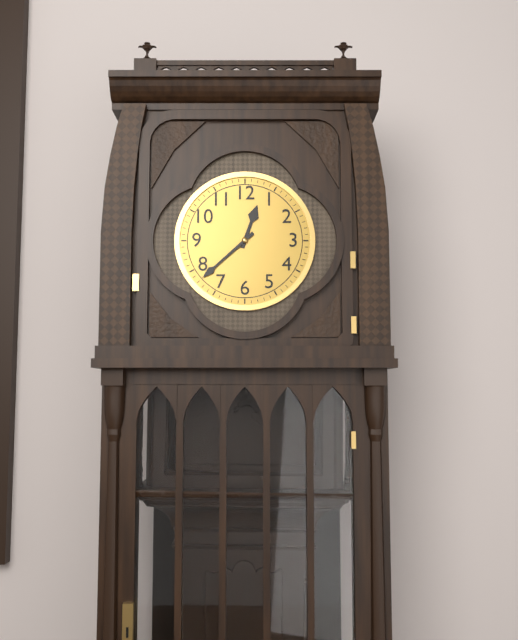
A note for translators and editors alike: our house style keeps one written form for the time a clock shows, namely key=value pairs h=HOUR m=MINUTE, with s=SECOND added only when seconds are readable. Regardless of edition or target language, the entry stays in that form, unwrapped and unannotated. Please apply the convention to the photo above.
h=12 m=38
